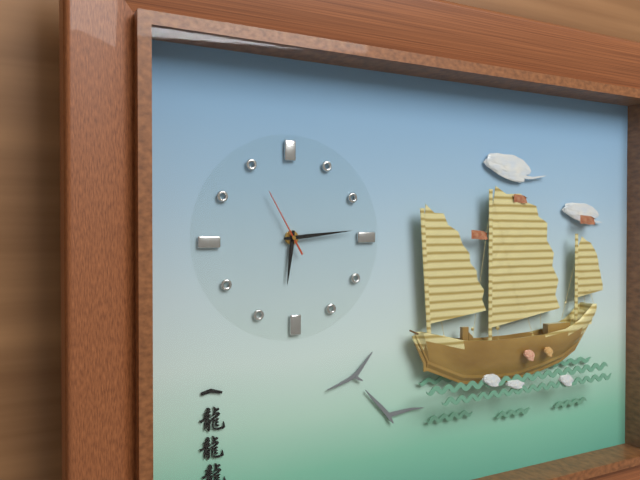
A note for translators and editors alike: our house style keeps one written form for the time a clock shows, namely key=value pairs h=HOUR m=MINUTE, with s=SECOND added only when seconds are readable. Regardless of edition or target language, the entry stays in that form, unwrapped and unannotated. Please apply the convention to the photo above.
h=6 m=14 s=55
